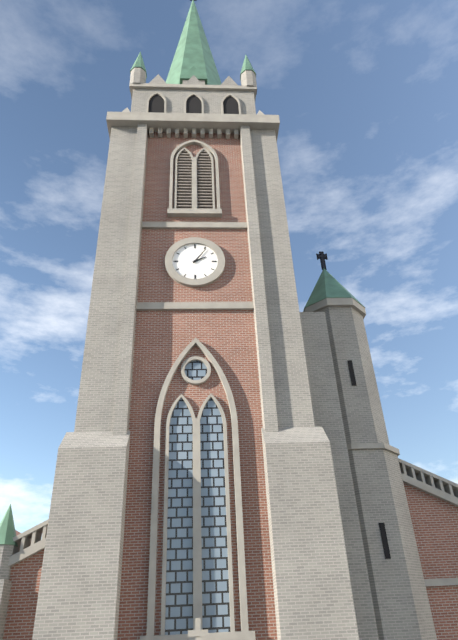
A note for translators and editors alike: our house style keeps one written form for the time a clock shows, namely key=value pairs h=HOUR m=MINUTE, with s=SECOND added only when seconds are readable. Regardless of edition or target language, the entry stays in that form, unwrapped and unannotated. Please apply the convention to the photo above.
h=2 m=6
